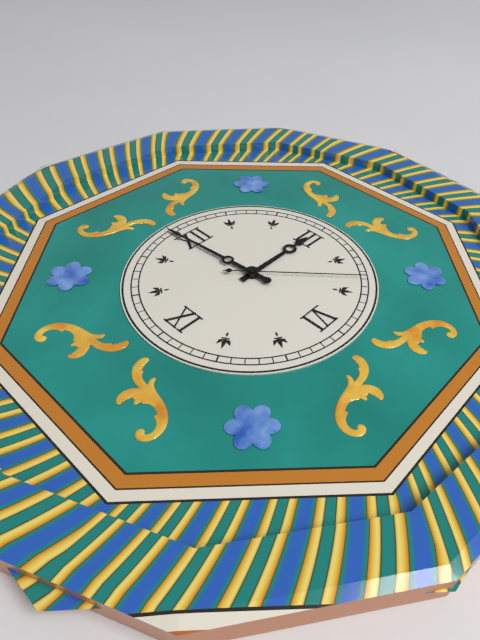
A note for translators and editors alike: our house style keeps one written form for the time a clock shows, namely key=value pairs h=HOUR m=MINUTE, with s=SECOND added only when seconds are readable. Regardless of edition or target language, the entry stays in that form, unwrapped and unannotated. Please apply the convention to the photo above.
h=2 m=59 s=23
